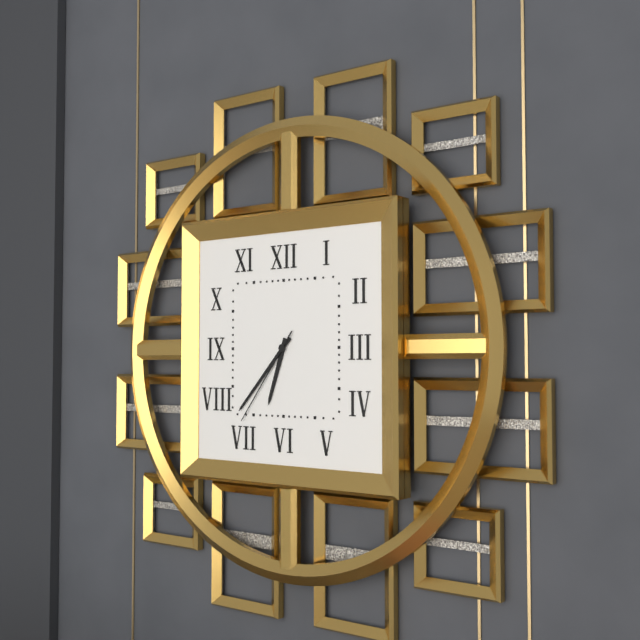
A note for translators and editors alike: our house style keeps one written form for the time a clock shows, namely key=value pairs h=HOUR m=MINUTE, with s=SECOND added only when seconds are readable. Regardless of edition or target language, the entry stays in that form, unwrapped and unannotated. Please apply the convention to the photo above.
h=6 m=37 s=36
